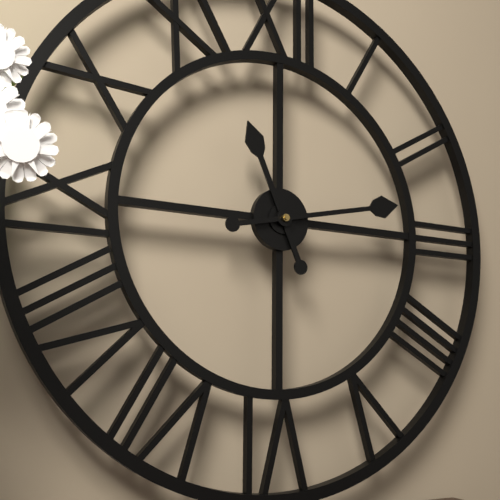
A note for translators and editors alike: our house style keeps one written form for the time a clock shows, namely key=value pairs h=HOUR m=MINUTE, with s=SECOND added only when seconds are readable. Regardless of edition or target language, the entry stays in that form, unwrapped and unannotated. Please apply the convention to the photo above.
h=11 m=13
